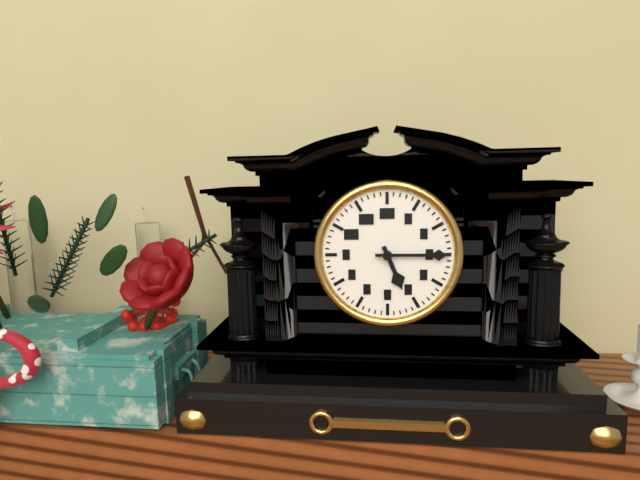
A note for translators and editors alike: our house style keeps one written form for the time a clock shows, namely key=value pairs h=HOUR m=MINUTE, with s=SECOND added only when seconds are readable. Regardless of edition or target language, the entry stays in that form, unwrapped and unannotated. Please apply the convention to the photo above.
h=5 m=15
